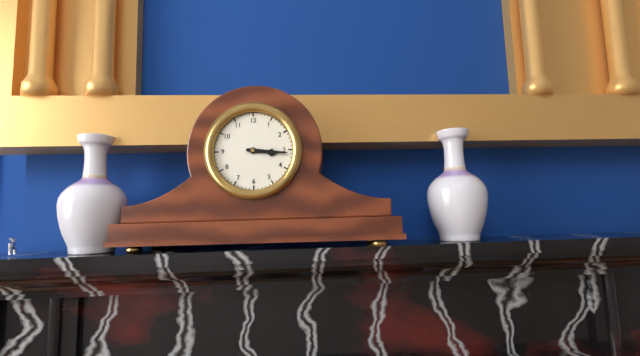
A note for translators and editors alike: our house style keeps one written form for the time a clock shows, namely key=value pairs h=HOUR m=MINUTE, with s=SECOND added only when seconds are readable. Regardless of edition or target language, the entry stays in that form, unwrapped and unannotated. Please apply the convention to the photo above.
h=3 m=16
